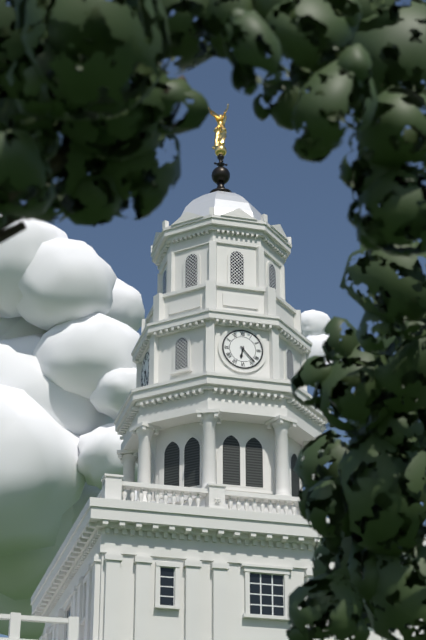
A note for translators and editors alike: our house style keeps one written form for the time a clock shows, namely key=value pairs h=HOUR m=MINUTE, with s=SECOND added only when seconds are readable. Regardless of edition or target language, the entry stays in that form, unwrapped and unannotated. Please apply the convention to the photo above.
h=6 m=23
